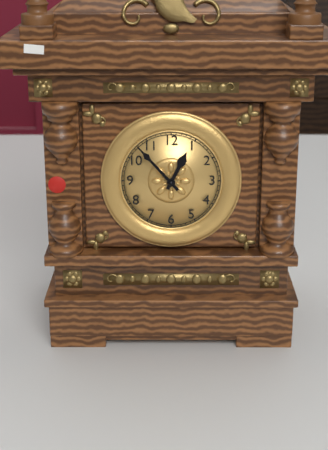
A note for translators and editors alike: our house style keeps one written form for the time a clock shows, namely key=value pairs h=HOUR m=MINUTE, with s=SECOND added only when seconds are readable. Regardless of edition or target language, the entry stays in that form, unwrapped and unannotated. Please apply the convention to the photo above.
h=12 m=53
